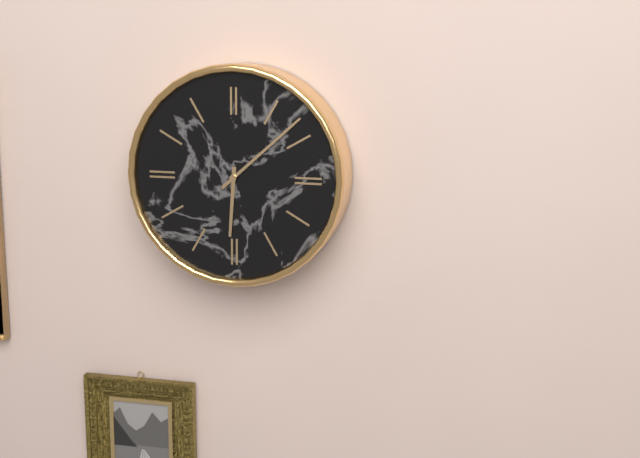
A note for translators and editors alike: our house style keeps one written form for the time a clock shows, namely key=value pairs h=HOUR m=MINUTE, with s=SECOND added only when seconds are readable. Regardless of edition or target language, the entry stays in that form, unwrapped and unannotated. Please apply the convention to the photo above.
h=6 m=8
